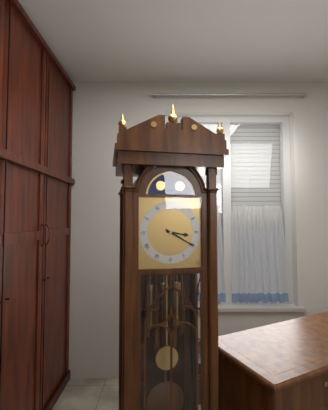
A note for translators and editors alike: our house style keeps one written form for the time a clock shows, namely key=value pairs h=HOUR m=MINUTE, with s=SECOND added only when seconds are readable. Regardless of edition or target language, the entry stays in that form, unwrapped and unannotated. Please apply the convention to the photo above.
h=3 m=20
